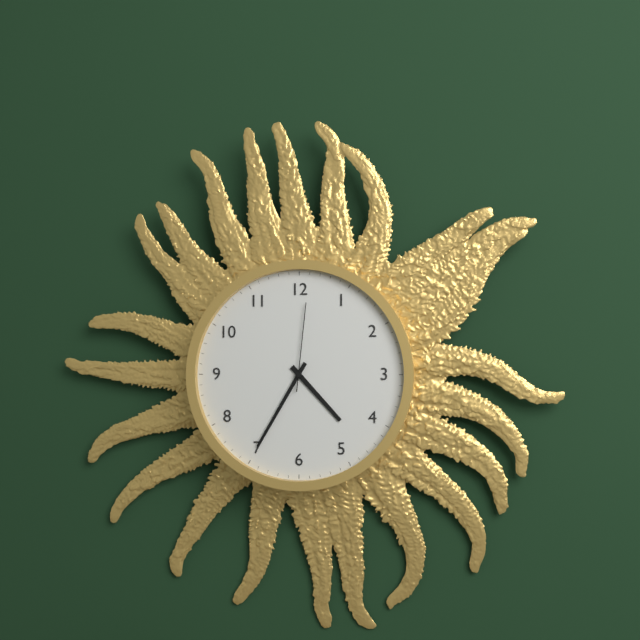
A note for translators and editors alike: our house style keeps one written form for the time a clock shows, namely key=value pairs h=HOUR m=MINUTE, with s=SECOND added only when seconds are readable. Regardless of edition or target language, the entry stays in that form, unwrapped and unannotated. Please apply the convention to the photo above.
h=4 m=35 s=1
